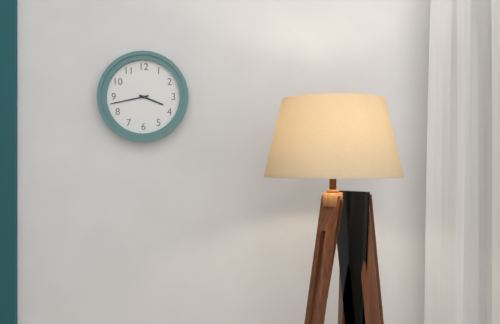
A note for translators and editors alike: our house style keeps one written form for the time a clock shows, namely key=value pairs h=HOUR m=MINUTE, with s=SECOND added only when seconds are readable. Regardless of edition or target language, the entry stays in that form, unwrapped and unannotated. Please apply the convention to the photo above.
h=3 m=43
